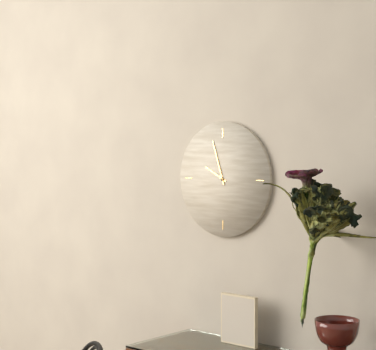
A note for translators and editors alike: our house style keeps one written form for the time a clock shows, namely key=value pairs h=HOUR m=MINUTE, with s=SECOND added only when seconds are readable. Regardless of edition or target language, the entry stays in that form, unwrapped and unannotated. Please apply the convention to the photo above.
h=9 m=57
